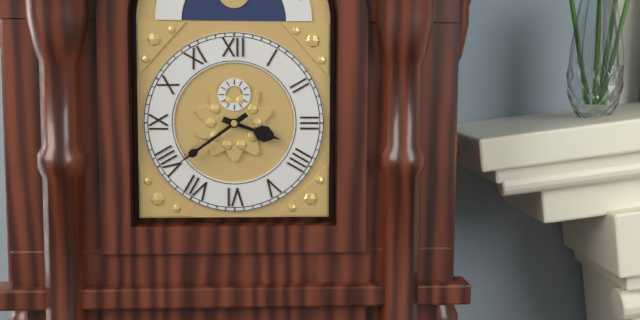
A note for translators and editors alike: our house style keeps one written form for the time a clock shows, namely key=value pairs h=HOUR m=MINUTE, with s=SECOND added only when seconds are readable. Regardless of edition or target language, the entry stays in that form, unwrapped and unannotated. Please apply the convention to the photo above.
h=3 m=39
